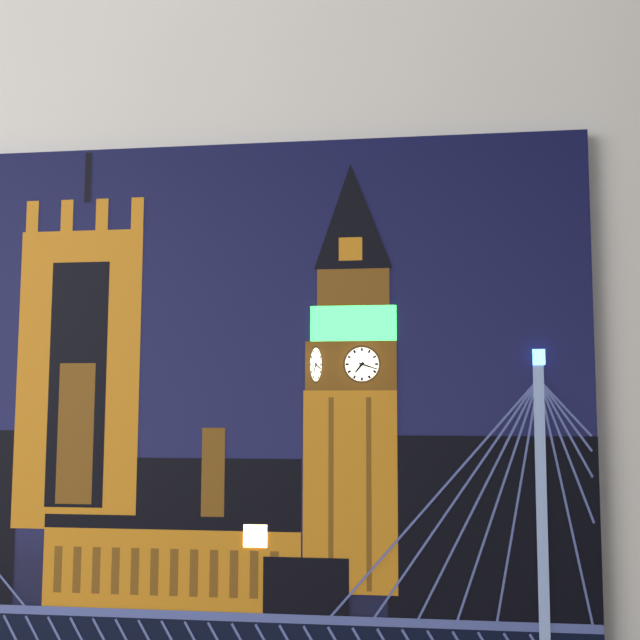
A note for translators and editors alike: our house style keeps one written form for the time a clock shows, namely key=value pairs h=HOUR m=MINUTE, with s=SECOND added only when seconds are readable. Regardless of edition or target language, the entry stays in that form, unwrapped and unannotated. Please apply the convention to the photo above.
h=7 m=18
